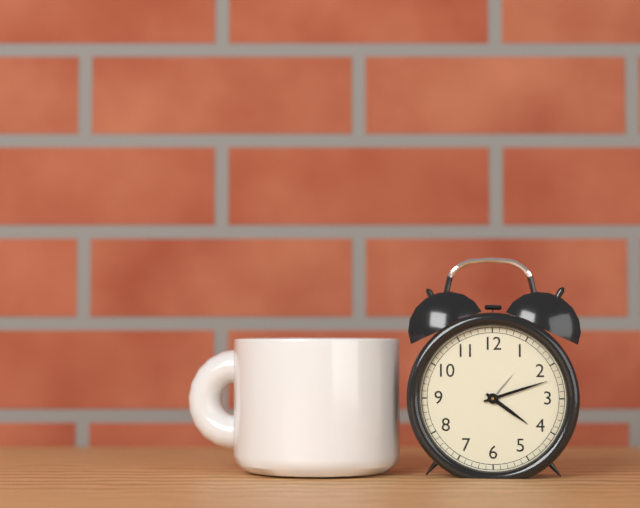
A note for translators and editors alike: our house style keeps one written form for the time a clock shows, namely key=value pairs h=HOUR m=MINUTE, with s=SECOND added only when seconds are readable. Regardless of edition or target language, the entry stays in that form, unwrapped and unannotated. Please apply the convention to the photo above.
h=4 m=12
